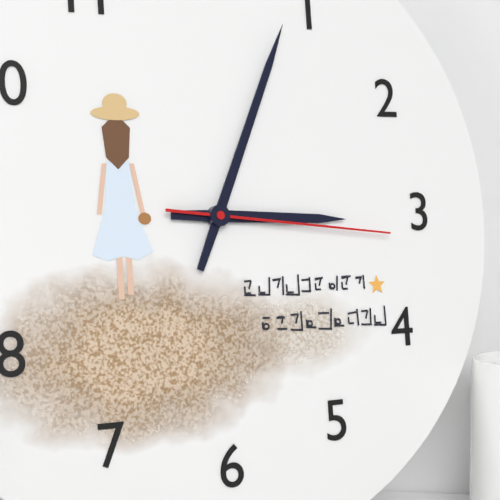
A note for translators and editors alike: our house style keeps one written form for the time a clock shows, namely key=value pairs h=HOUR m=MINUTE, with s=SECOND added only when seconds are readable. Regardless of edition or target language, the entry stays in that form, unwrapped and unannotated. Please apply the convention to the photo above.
h=3 m=4 s=16
